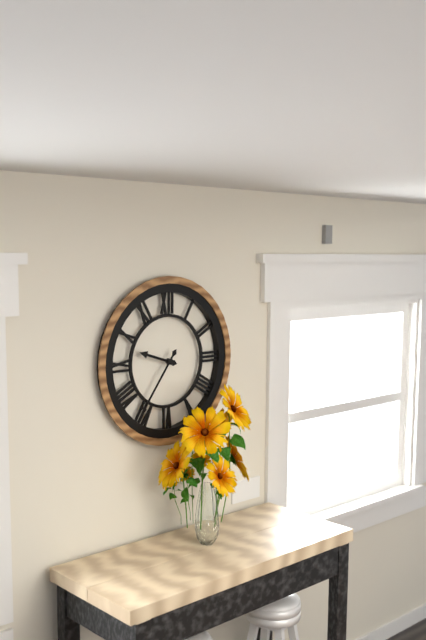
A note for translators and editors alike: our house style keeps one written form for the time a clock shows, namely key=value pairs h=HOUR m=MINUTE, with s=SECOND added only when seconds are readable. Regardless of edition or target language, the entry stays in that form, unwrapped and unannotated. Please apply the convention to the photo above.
h=9 m=36
